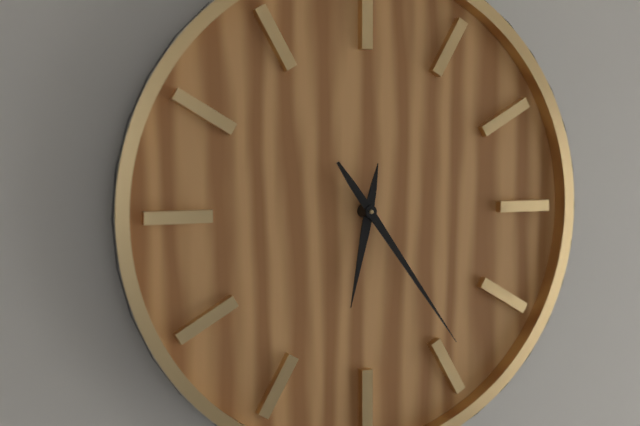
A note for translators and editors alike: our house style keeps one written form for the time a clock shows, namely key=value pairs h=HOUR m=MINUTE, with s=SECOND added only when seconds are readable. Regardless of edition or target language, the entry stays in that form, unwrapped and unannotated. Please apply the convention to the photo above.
h=6 m=24
